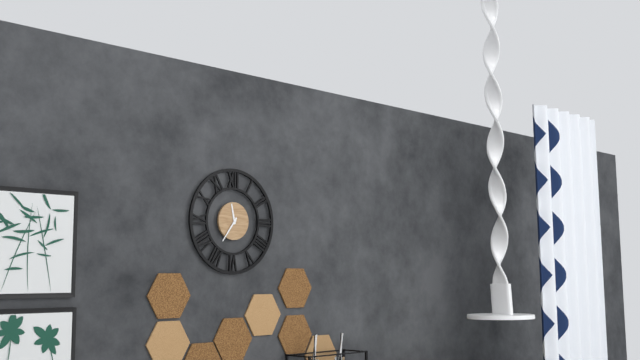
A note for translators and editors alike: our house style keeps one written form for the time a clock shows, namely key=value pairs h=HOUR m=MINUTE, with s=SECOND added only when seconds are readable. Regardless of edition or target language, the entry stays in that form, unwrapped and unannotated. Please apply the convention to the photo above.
h=11 m=36
